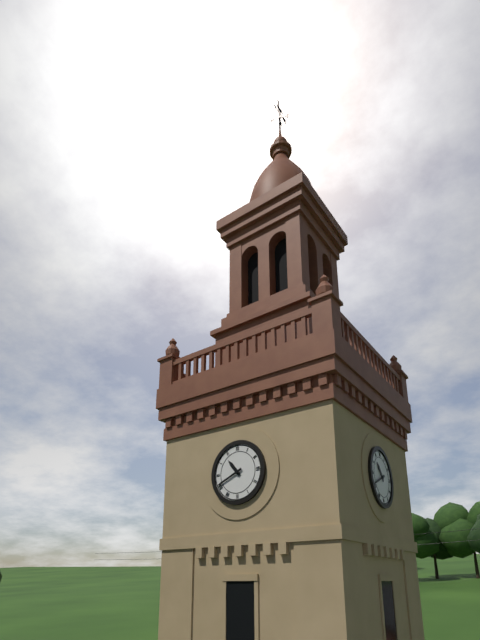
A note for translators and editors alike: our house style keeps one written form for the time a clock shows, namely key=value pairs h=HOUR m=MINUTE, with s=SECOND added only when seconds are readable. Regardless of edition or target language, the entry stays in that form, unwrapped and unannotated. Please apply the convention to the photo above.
h=10 m=41
